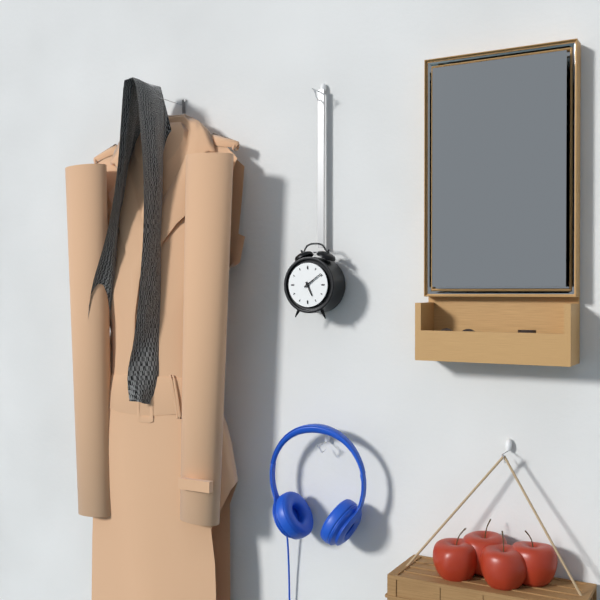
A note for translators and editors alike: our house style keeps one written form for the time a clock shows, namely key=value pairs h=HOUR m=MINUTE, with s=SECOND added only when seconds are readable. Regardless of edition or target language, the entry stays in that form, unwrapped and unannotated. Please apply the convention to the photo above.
h=5 m=9
